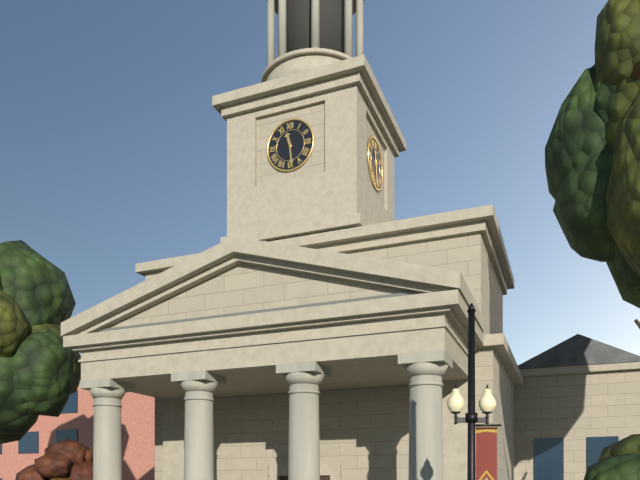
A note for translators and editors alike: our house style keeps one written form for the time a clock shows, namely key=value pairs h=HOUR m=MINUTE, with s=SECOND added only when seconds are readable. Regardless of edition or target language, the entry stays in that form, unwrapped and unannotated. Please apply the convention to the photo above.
h=11 m=29
